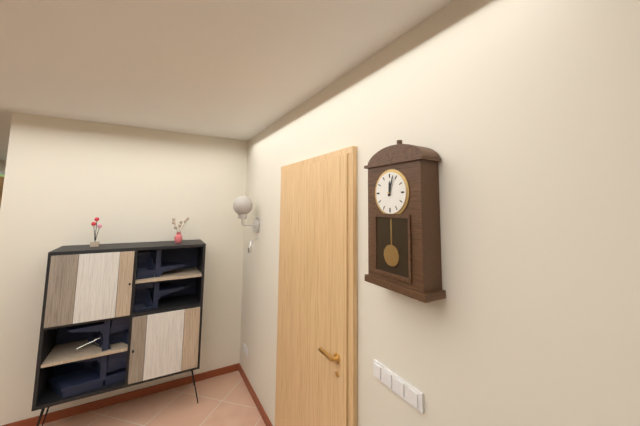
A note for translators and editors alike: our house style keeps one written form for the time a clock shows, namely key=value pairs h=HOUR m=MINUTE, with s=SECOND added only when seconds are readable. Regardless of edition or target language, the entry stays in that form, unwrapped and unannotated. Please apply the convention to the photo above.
h=12 m=3
